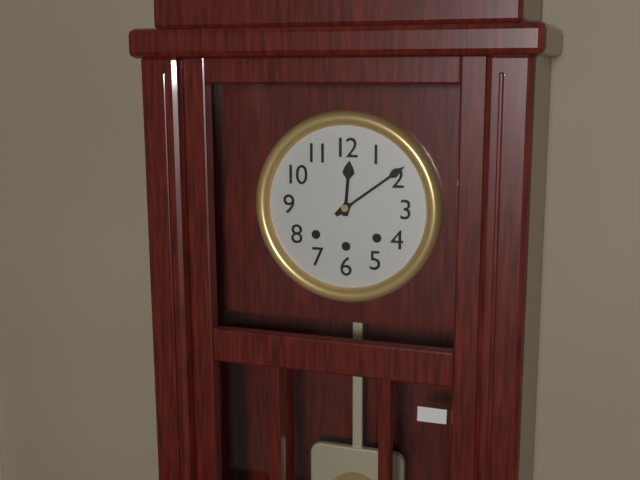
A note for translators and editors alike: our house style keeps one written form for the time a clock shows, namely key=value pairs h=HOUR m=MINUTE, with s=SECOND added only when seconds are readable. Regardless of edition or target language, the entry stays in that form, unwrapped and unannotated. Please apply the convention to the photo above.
h=12 m=9
